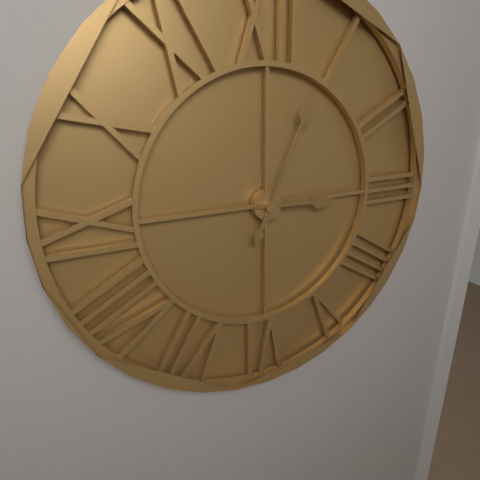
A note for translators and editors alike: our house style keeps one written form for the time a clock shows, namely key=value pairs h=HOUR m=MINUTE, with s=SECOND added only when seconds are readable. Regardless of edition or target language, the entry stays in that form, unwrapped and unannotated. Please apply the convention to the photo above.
h=3 m=4
